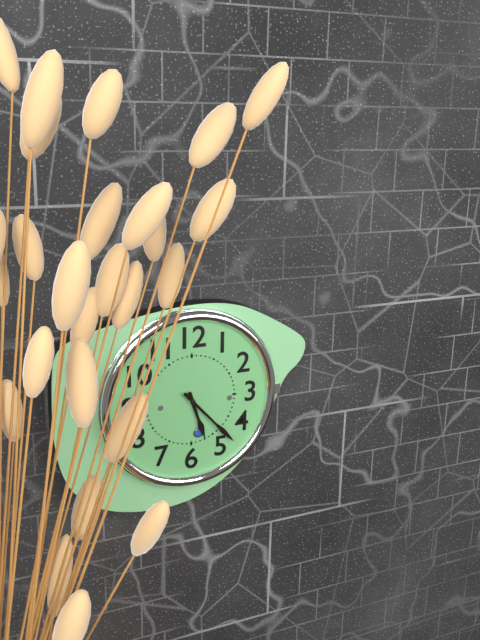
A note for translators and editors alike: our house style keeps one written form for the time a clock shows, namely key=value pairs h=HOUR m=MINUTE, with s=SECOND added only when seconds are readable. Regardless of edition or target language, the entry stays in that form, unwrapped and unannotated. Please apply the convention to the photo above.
h=5 m=23
